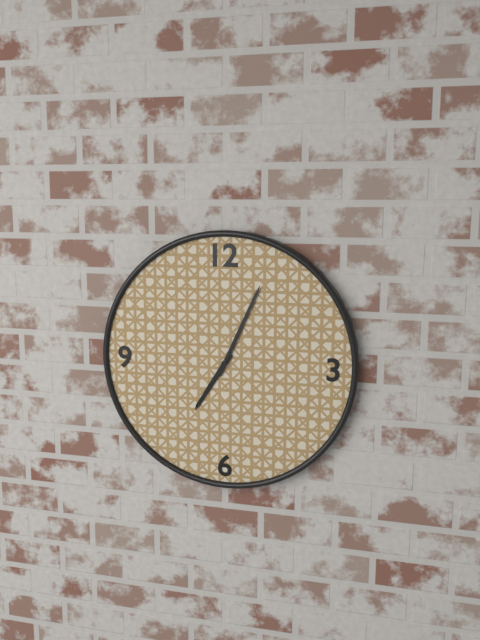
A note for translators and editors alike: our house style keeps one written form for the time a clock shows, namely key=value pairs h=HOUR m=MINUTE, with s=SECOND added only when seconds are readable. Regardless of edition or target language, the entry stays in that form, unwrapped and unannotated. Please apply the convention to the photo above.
h=7 m=4
